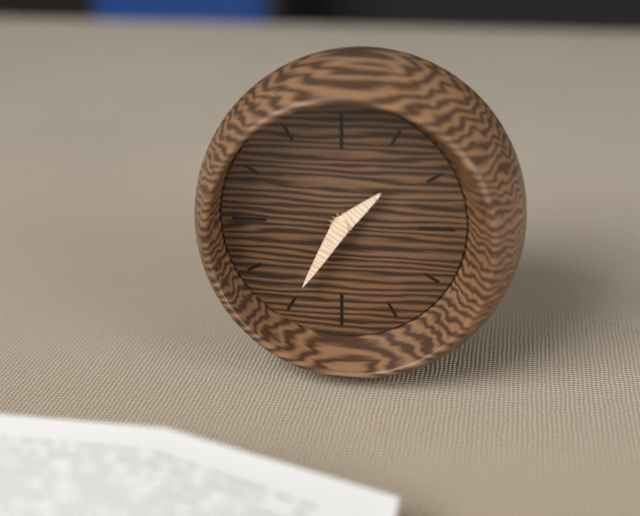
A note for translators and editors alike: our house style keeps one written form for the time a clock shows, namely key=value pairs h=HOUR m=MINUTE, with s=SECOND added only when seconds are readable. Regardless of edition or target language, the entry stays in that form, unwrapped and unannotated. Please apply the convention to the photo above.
h=1 m=35
